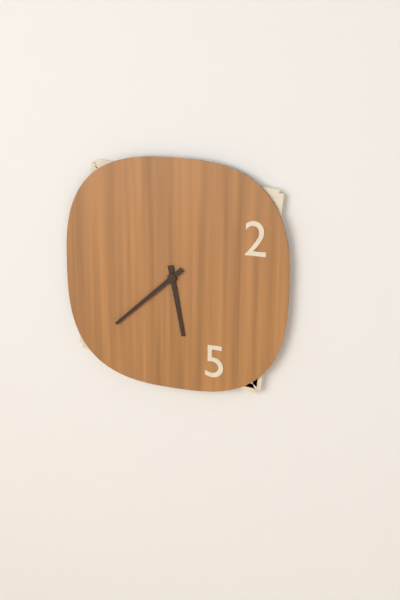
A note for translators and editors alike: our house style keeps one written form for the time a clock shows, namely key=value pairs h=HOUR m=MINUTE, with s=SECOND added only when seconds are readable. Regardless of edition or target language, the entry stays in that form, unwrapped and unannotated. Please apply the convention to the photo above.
h=5 m=38
